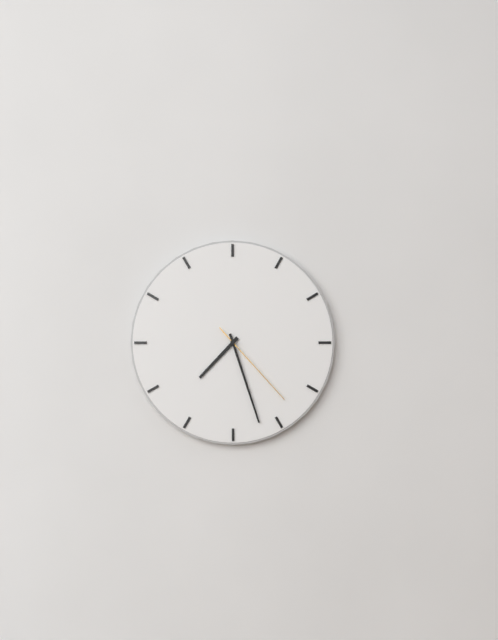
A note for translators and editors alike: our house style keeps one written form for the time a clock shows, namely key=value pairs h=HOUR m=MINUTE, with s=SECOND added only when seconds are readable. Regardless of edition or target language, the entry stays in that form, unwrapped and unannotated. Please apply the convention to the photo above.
h=7 m=27 s=23
